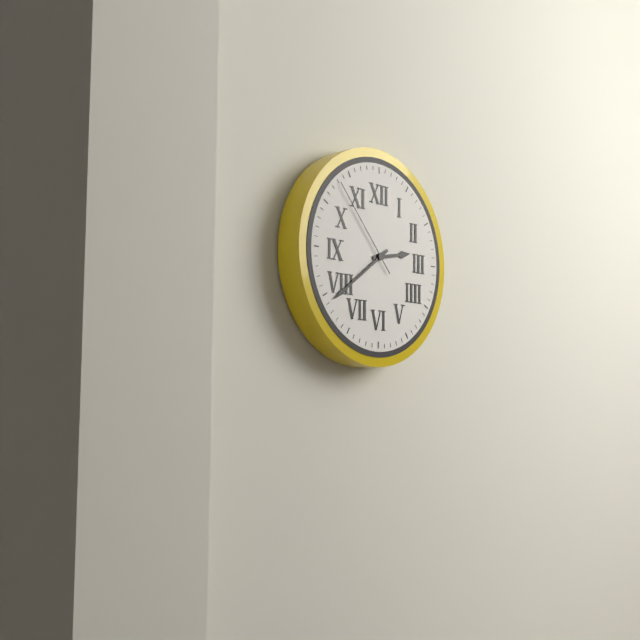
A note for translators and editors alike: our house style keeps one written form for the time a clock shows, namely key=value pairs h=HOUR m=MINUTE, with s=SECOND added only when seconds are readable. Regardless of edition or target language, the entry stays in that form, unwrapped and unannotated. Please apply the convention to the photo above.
h=2 m=39 s=53
